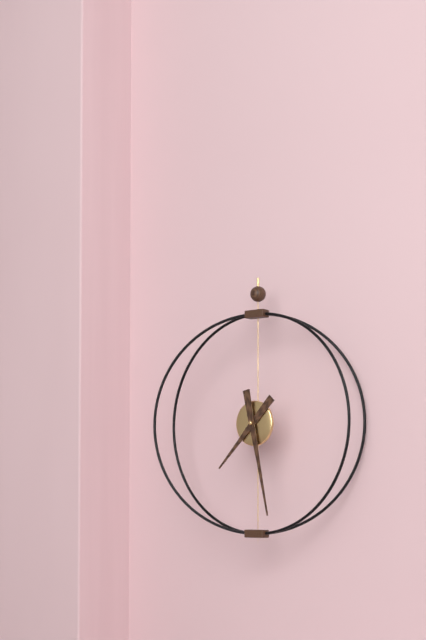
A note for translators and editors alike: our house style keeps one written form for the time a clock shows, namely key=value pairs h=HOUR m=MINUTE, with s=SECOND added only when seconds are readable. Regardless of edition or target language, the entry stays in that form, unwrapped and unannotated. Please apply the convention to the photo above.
h=7 m=28
